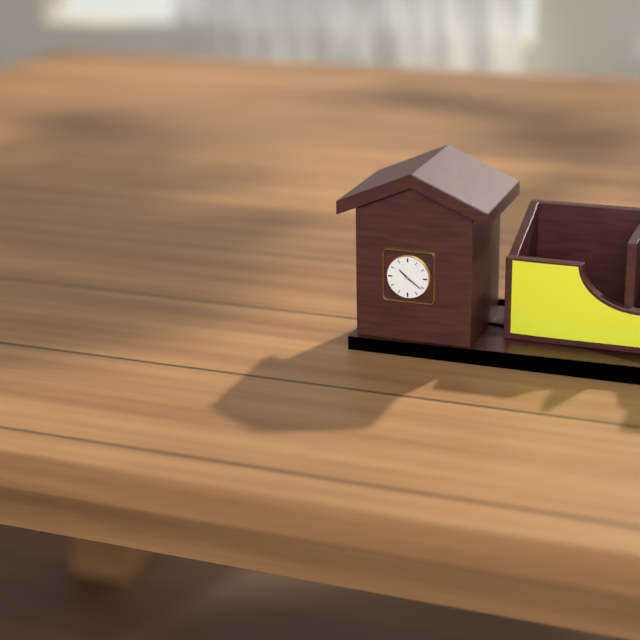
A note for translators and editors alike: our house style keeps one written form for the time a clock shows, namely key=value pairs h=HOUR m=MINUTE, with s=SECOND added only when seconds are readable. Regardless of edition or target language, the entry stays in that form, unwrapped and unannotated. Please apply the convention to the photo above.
h=10 m=21
